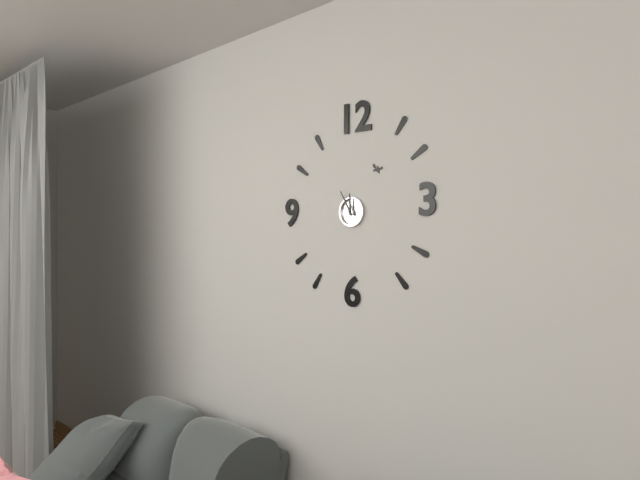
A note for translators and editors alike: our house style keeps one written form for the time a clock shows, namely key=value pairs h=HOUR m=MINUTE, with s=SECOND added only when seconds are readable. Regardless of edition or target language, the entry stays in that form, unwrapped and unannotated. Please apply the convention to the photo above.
h=11 m=55
